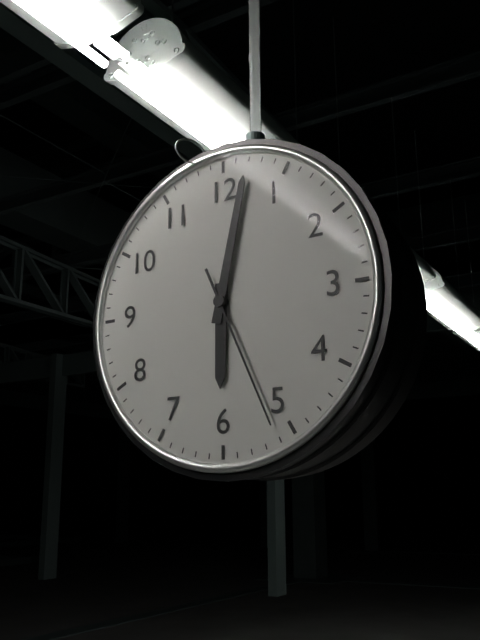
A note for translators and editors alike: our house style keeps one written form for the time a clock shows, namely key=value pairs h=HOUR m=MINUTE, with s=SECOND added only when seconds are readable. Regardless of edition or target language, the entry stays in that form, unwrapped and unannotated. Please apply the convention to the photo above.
h=6 m=2 s=26
